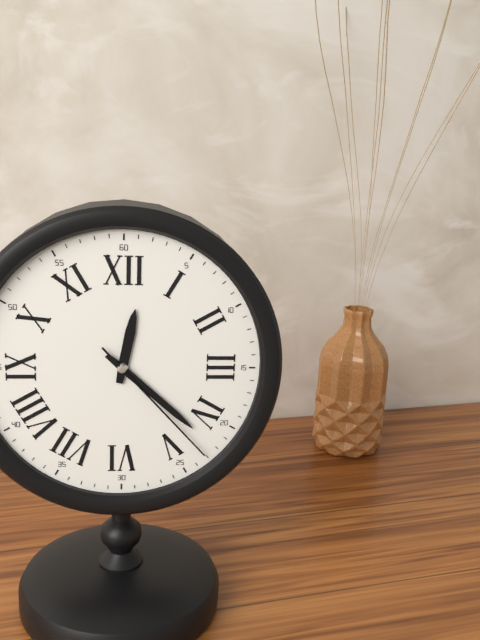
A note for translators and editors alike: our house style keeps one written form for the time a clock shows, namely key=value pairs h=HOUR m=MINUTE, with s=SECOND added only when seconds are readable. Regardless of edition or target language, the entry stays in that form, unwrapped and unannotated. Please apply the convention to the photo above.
h=12 m=22 s=23
